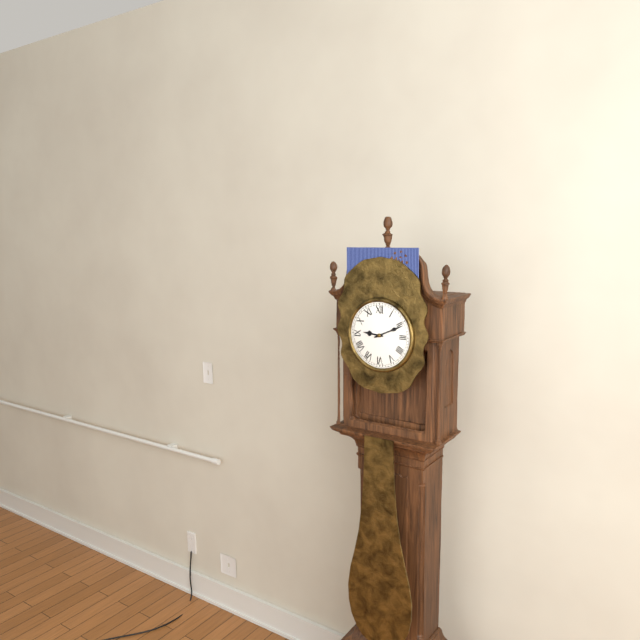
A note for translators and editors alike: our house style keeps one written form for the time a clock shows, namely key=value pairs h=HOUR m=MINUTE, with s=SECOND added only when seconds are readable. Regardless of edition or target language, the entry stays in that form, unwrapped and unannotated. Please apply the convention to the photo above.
h=9 m=11
